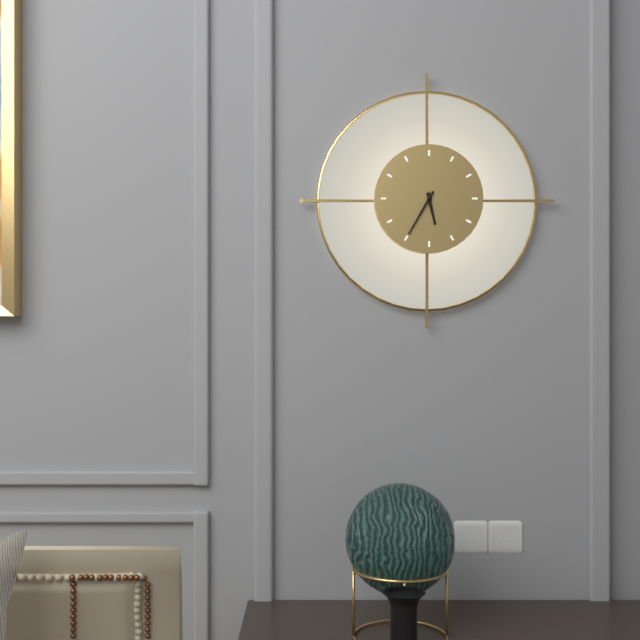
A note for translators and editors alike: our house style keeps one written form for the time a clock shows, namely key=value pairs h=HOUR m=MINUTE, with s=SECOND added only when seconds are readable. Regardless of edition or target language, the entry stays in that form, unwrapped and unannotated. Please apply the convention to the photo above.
h=5 m=35
